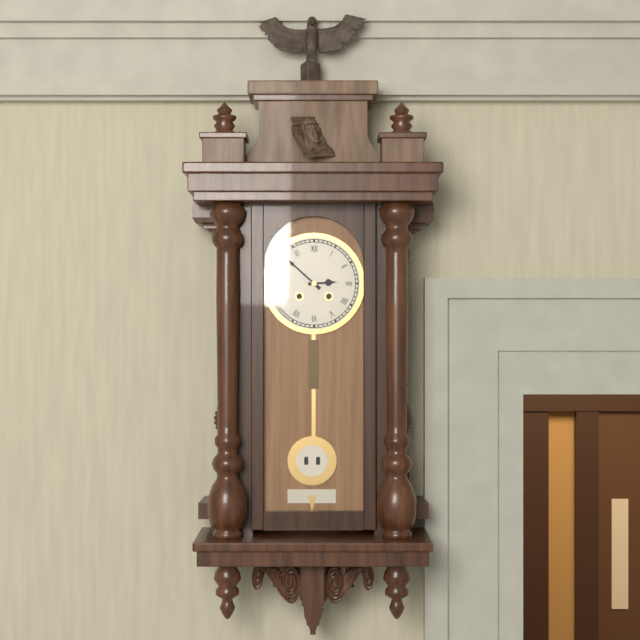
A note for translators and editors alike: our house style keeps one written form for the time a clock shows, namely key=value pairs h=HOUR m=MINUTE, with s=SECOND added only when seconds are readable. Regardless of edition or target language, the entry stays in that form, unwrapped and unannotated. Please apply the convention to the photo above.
h=2 m=52
